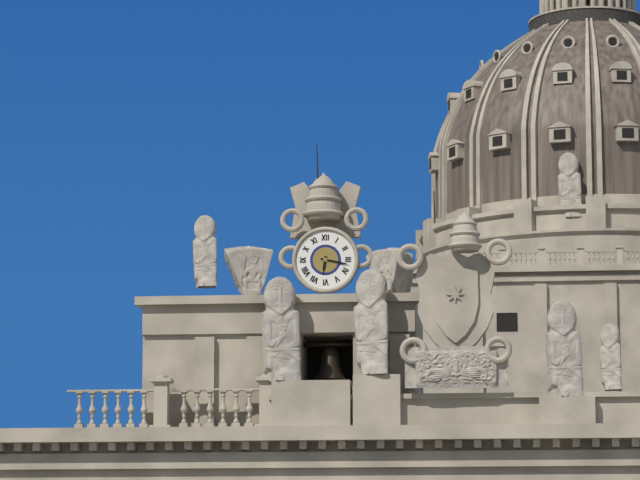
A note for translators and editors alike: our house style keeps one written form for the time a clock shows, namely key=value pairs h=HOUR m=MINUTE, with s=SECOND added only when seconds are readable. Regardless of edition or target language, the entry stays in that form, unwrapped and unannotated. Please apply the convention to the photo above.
h=6 m=17
